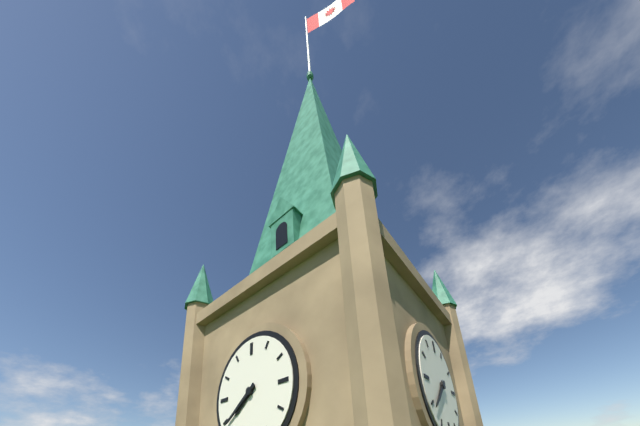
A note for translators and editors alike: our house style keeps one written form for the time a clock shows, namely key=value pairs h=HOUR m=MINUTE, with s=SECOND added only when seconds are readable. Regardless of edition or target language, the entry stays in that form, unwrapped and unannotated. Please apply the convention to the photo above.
h=7 m=39
